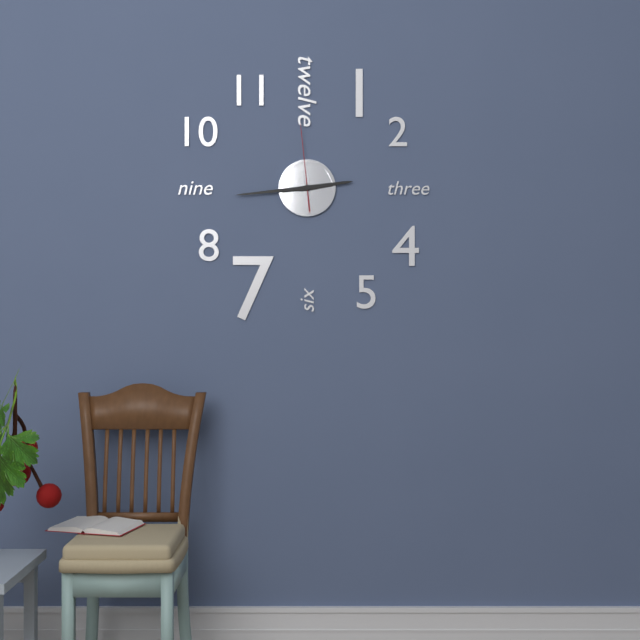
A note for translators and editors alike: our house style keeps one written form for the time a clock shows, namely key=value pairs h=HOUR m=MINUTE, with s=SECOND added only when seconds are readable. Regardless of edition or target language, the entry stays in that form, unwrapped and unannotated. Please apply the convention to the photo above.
h=2 m=44 s=59
